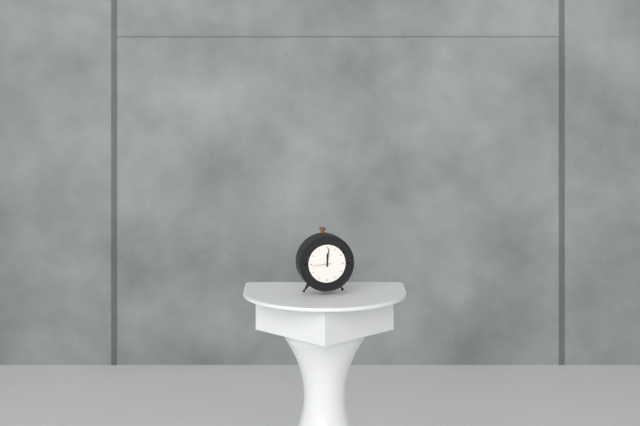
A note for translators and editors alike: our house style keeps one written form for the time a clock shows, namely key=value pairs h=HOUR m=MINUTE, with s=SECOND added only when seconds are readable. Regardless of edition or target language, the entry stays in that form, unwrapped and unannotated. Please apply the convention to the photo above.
h=12 m=1
